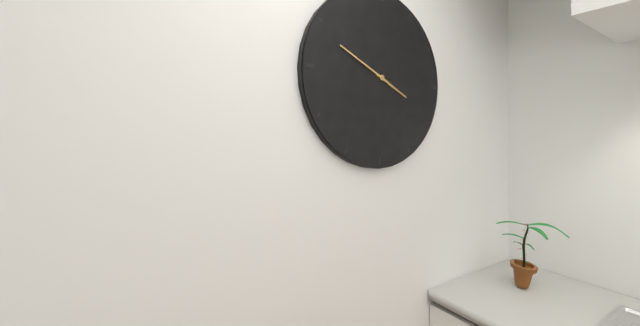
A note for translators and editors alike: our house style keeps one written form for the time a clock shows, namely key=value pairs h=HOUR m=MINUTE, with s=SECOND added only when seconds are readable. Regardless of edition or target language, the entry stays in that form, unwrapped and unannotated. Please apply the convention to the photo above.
h=3 m=49
